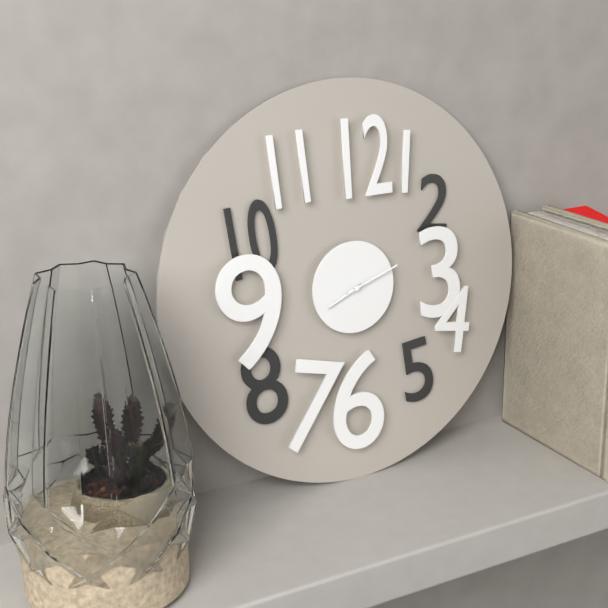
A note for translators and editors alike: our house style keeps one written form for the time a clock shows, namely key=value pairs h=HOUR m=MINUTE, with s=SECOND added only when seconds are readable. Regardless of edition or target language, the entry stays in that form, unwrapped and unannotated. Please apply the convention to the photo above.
h=8 m=12
